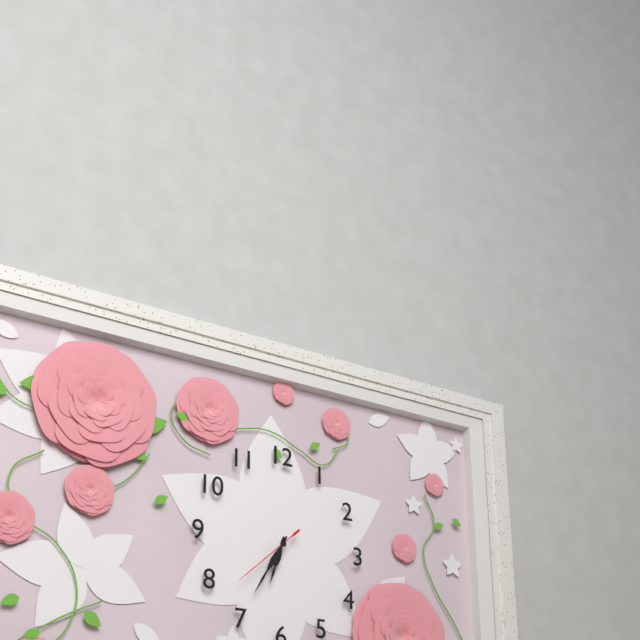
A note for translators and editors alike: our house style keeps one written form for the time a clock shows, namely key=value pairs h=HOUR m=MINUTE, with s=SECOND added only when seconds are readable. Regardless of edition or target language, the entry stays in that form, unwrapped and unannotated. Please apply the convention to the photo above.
h=6 m=35 s=38
